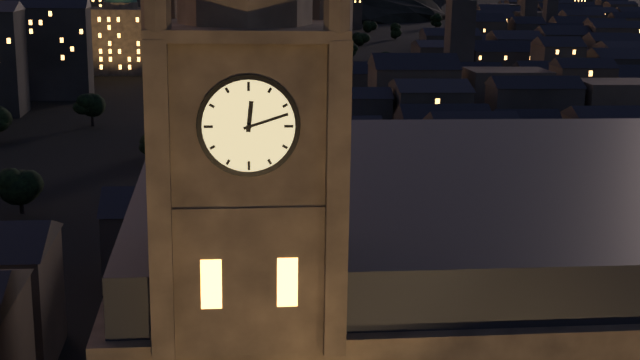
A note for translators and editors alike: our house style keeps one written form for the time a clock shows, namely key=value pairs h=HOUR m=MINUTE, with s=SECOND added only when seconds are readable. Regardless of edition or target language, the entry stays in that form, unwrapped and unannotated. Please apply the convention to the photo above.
h=12 m=12
